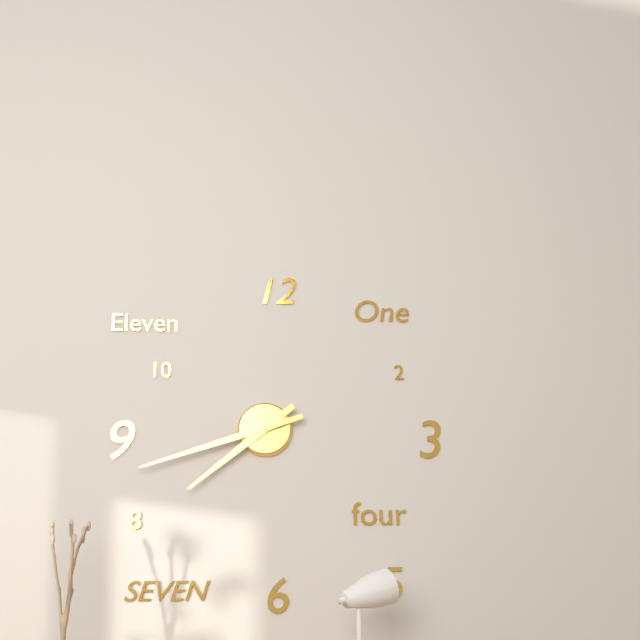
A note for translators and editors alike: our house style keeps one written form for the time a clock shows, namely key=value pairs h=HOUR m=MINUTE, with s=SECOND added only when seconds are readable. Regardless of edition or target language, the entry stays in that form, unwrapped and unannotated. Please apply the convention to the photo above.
h=7 m=42
